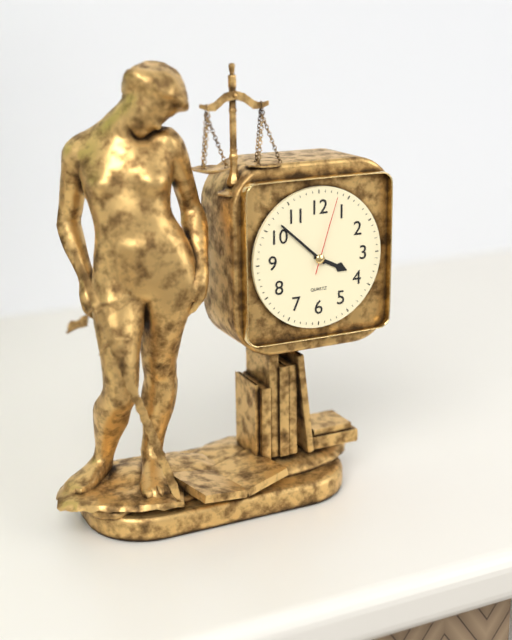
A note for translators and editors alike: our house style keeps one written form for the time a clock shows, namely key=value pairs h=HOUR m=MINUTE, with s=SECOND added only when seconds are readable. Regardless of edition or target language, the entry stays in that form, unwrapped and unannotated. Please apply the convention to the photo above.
h=3 m=52 s=3
